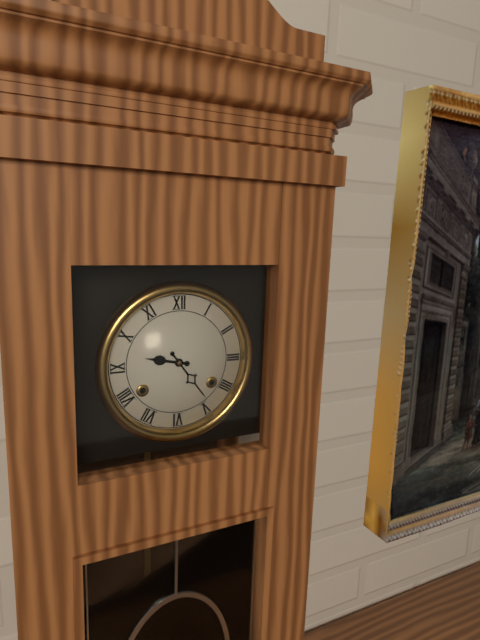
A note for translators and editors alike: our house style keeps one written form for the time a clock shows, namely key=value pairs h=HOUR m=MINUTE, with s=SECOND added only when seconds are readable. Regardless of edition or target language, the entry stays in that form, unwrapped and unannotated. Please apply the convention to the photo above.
h=9 m=24
